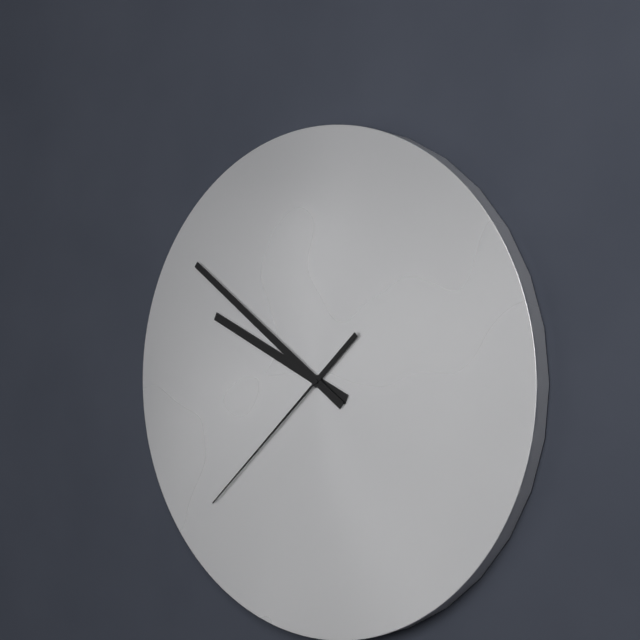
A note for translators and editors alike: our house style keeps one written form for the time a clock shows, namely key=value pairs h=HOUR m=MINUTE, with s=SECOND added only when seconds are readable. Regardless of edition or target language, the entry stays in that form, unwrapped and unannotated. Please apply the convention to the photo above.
h=9 m=51 s=38
